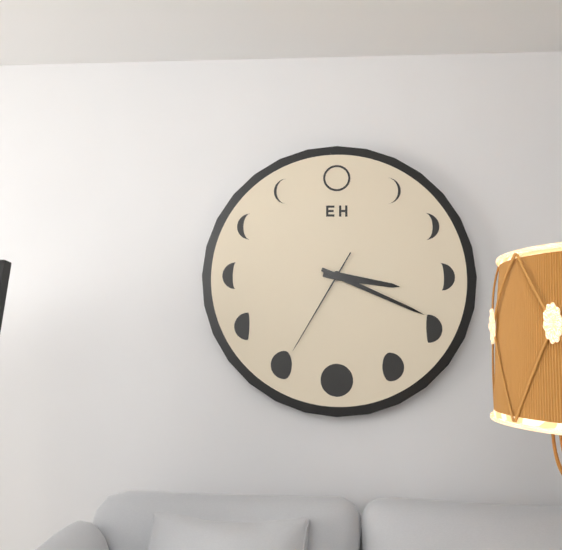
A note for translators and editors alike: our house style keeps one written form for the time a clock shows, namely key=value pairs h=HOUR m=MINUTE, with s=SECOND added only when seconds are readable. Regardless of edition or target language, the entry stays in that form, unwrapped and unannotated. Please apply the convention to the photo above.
h=3 m=19 s=35
